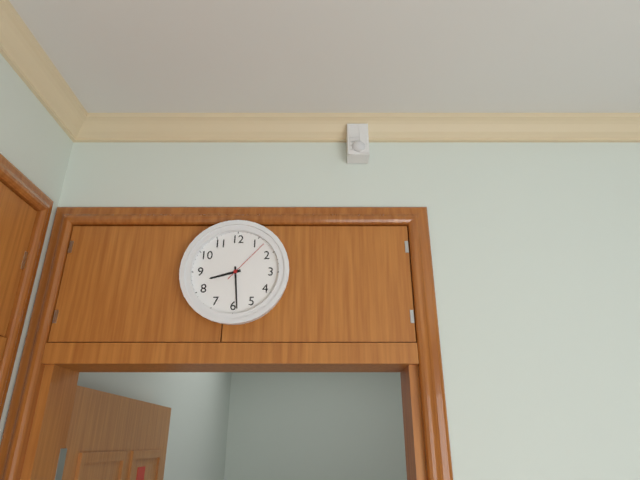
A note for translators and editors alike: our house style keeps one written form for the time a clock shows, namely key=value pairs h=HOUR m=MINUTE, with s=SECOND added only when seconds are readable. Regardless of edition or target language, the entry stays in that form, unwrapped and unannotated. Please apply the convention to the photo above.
h=8 m=29 s=7
